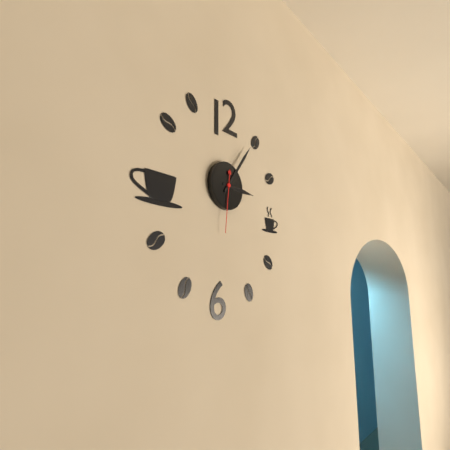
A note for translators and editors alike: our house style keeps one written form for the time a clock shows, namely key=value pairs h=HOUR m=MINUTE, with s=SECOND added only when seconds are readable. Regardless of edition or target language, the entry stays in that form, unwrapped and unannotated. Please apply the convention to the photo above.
h=3 m=6 s=31
